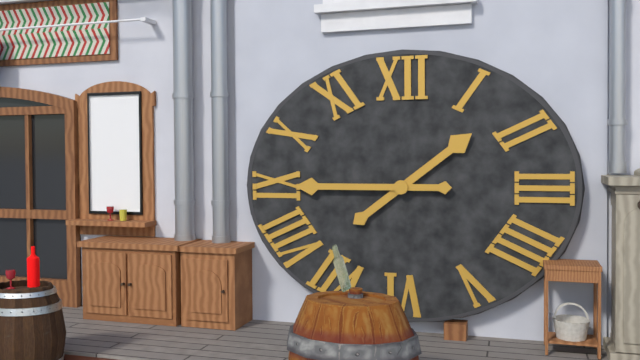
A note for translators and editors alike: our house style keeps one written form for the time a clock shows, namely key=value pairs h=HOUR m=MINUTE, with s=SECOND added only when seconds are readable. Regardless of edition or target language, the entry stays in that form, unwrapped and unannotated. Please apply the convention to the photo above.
h=1 m=45
